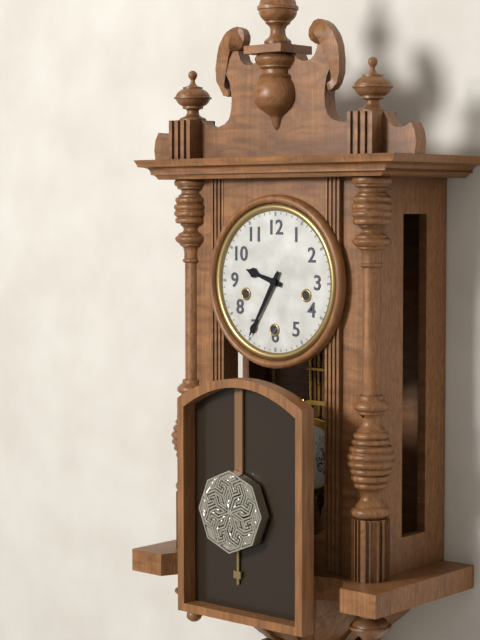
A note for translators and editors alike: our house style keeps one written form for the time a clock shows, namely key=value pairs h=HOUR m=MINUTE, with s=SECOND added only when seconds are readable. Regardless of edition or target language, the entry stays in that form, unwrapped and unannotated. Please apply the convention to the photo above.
h=9 m=35
